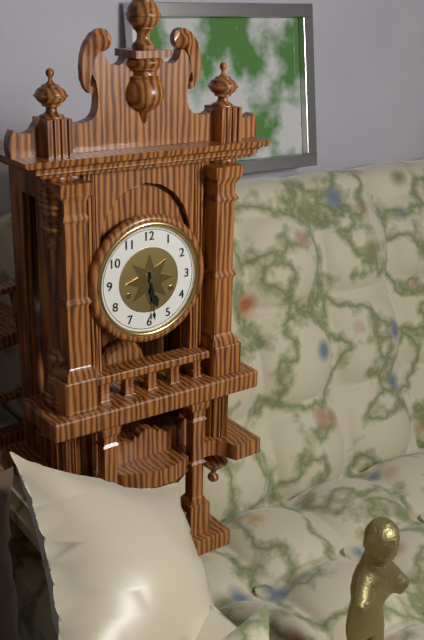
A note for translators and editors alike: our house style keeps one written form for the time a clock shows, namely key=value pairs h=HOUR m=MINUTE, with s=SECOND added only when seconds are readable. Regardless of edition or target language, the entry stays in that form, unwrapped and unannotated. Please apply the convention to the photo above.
h=5 m=29
